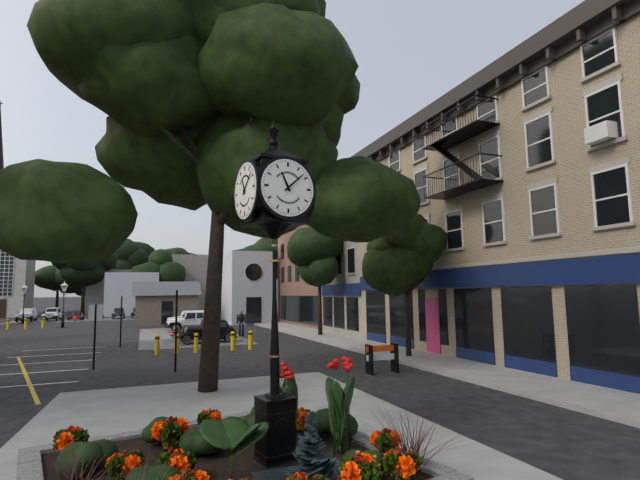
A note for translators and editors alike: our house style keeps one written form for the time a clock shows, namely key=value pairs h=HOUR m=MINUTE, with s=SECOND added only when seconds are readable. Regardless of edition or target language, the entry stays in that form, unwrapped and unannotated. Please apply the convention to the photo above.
h=11 m=8
